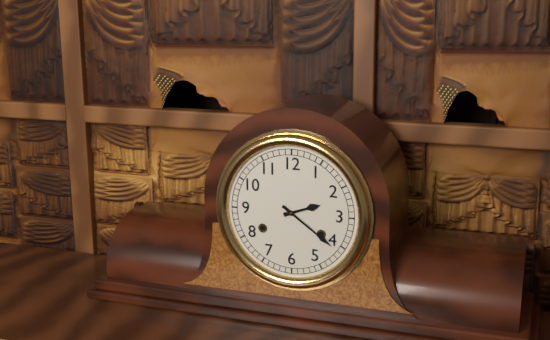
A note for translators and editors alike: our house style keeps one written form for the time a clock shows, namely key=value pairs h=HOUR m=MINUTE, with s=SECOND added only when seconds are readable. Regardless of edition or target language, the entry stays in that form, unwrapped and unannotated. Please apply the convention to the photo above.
h=2 m=21
